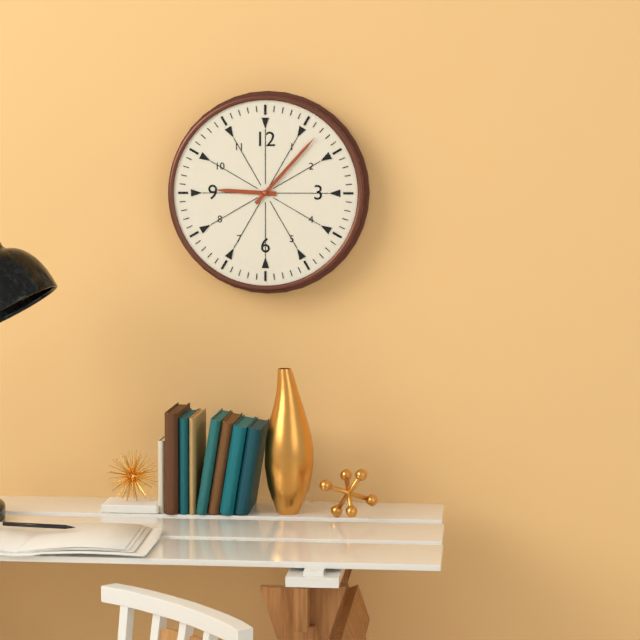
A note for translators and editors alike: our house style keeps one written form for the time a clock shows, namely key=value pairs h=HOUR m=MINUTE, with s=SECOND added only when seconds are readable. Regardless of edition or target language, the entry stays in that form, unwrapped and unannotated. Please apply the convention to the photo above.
h=9 m=7
